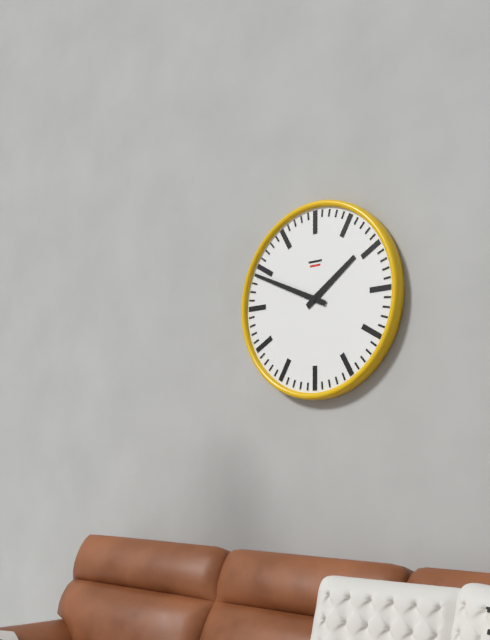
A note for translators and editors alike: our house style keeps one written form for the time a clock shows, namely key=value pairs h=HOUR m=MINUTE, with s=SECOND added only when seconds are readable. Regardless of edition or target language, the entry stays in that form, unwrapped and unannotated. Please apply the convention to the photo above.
h=1 m=49
